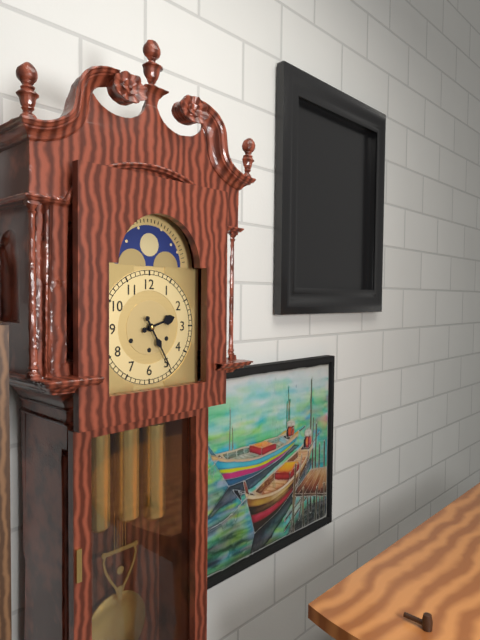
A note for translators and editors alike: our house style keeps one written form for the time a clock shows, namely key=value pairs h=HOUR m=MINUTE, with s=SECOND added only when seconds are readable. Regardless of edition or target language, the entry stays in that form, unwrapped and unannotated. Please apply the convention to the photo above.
h=2 m=25
